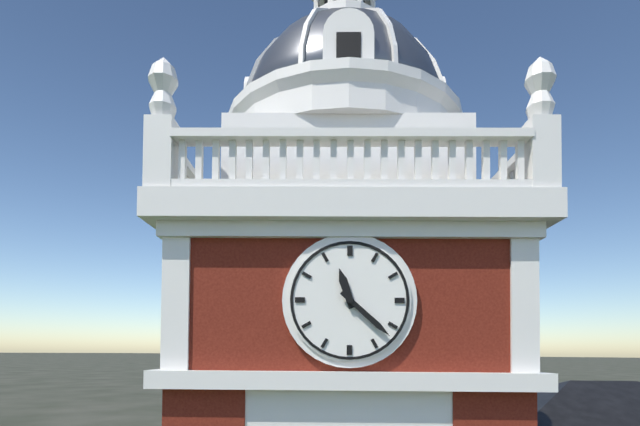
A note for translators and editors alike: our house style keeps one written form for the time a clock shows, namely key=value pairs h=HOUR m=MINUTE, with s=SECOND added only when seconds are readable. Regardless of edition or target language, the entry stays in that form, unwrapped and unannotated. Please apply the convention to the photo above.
h=11 m=22
